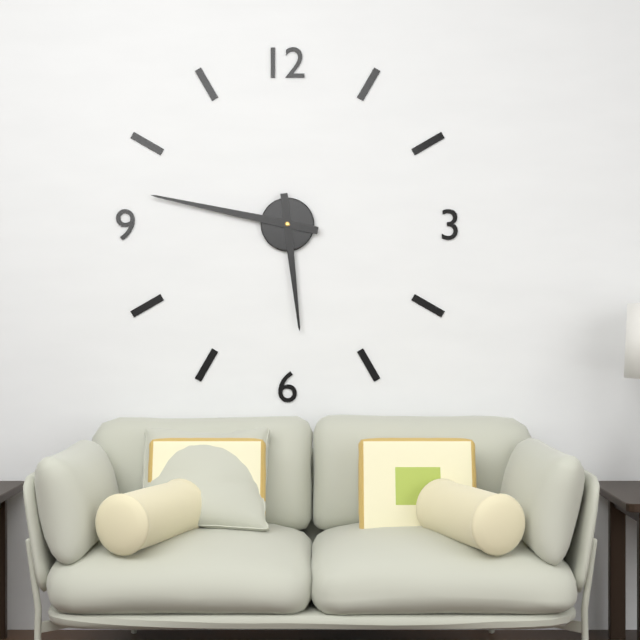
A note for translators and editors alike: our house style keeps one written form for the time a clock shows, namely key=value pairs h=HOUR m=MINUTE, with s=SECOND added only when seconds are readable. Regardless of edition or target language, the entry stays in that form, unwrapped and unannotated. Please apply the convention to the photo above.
h=5 m=47
